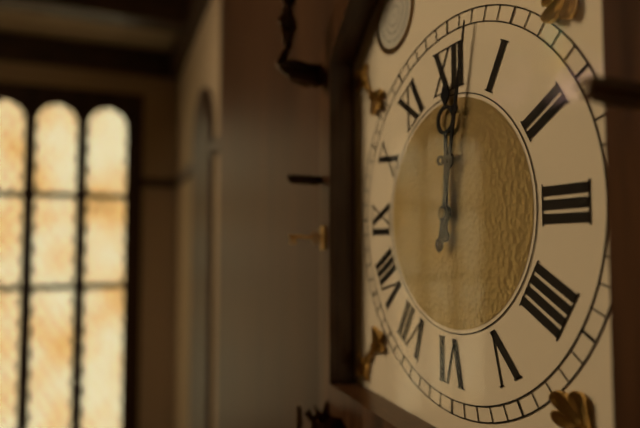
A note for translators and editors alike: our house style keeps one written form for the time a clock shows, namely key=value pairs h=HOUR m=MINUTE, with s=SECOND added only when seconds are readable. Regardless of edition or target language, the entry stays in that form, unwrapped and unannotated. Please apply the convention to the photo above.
h=12 m=2
